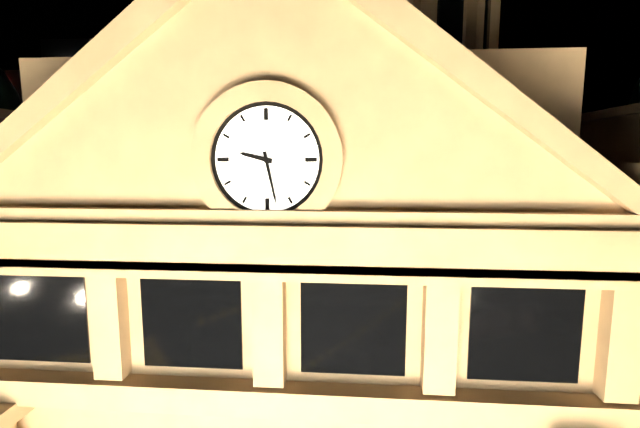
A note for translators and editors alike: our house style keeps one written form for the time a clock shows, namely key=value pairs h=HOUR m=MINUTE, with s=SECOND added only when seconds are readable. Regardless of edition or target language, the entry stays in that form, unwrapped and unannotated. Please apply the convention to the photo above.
h=9 m=28
